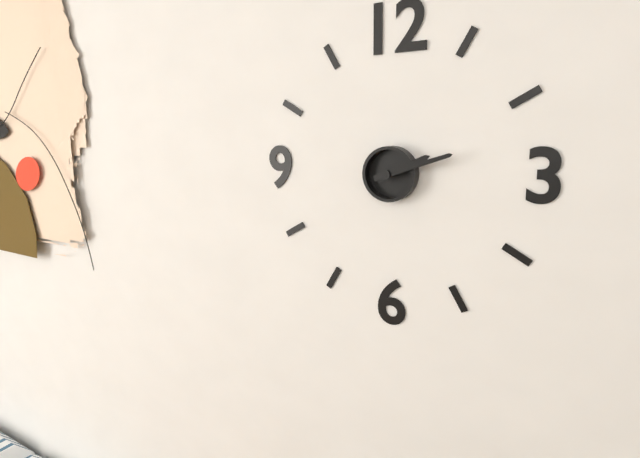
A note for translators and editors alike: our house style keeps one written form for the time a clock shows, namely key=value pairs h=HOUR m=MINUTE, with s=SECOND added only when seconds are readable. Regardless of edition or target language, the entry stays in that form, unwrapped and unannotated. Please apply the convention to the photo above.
h=2 m=12
